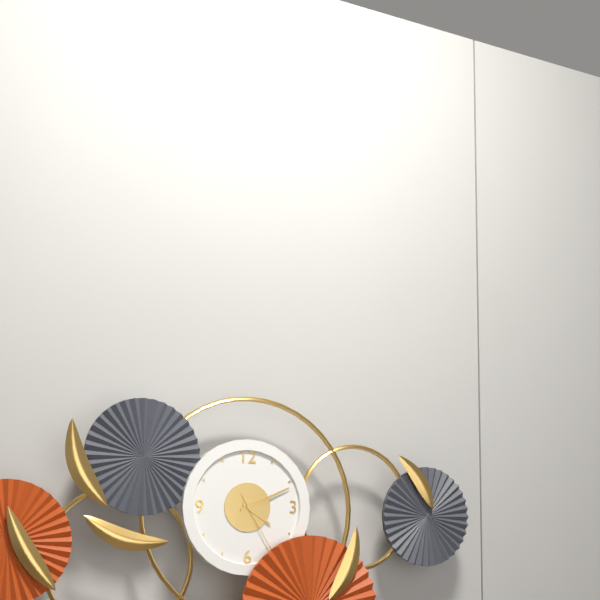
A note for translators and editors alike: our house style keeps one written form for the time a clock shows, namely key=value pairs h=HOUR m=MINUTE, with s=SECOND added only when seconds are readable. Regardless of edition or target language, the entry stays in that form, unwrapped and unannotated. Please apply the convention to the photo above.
h=4 m=11 s=25
